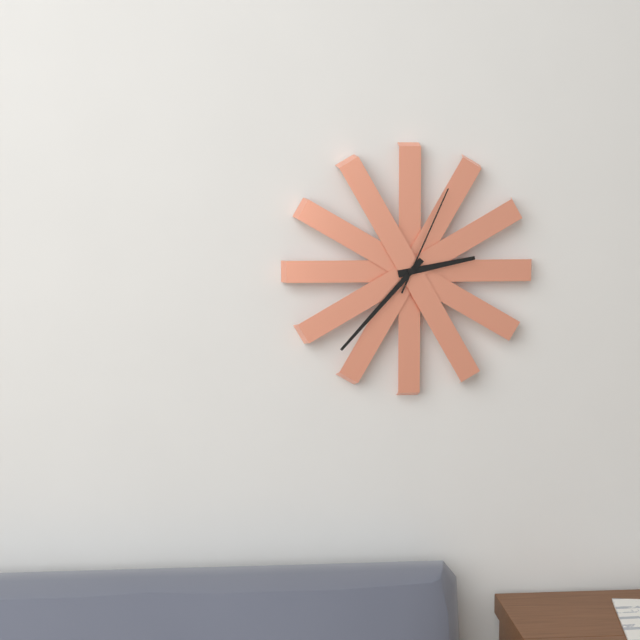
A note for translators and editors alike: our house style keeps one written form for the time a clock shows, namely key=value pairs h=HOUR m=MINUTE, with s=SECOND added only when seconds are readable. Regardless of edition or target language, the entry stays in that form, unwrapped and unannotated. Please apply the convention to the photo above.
h=2 m=37 s=4
